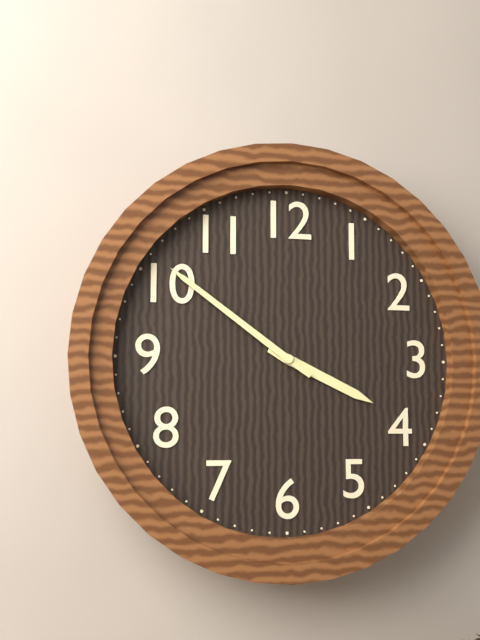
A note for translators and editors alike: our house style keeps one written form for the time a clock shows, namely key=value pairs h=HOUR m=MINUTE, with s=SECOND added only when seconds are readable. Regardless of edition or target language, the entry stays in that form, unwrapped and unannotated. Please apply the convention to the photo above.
h=3 m=51
